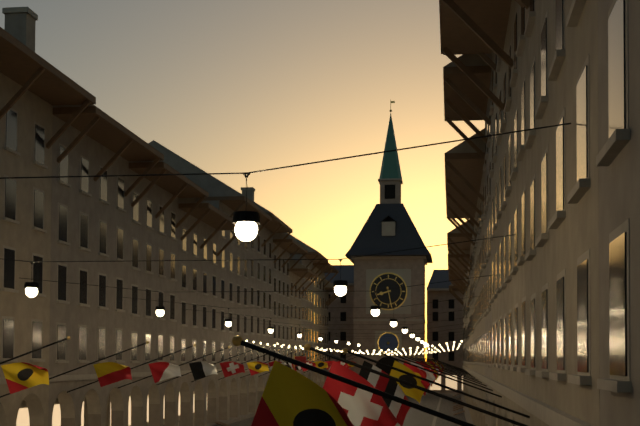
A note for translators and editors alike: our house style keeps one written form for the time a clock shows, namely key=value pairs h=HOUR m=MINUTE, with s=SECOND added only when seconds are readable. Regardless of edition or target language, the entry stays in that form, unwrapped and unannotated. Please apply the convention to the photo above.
h=8 m=28
